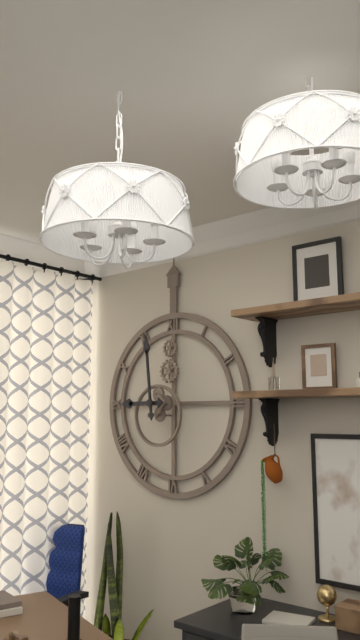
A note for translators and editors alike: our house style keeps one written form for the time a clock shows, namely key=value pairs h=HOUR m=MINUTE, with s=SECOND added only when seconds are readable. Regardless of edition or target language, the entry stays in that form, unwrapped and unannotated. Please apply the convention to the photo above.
h=8 m=59
